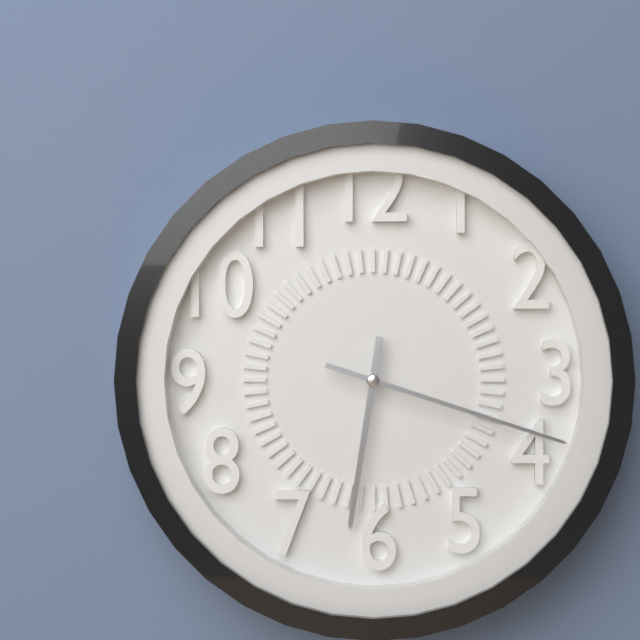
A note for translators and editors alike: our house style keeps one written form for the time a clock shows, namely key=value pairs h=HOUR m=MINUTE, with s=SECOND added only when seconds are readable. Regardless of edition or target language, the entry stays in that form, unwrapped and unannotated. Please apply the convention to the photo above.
h=6 m=18
